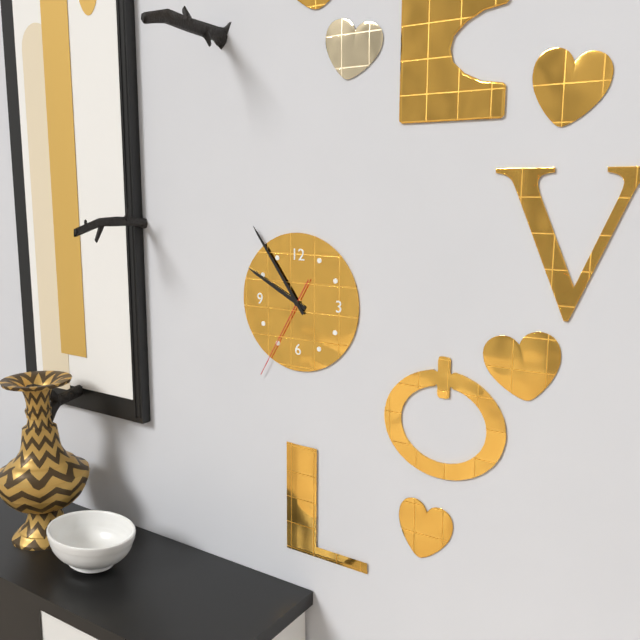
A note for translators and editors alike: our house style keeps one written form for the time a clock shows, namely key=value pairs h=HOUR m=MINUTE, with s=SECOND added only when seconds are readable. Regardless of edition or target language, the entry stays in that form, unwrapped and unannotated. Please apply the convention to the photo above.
h=9 m=54 s=35
